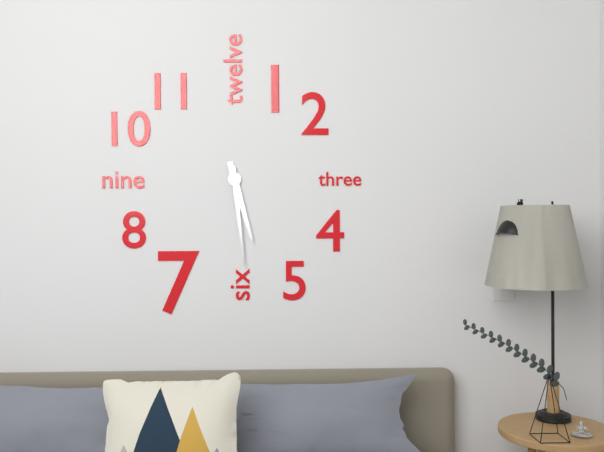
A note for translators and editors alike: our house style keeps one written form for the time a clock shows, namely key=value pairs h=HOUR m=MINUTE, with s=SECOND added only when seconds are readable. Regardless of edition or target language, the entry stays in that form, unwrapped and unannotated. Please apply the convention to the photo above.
h=5 m=29
